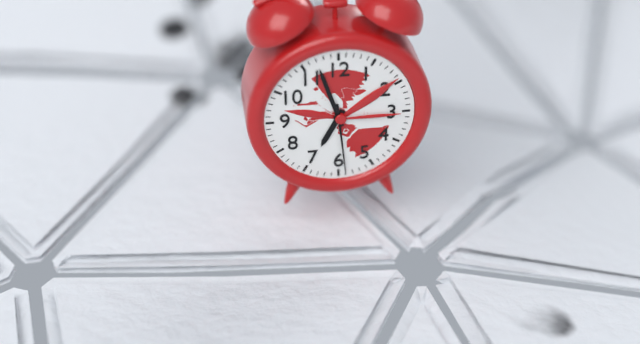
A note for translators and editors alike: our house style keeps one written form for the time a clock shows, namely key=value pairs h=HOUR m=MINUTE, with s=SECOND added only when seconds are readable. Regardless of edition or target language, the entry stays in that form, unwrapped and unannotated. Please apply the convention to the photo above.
h=6 m=57 s=29
